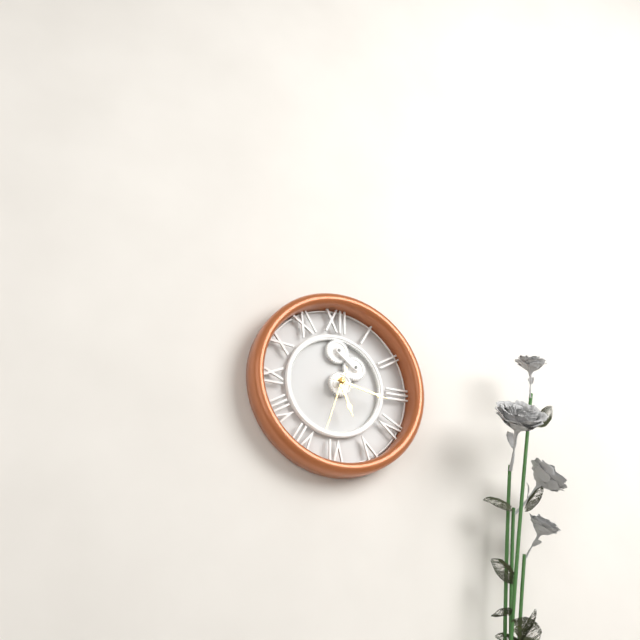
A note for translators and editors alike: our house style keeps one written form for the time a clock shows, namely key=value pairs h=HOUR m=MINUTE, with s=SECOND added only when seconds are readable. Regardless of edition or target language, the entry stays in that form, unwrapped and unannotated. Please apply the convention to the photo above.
h=5 m=17 s=33
